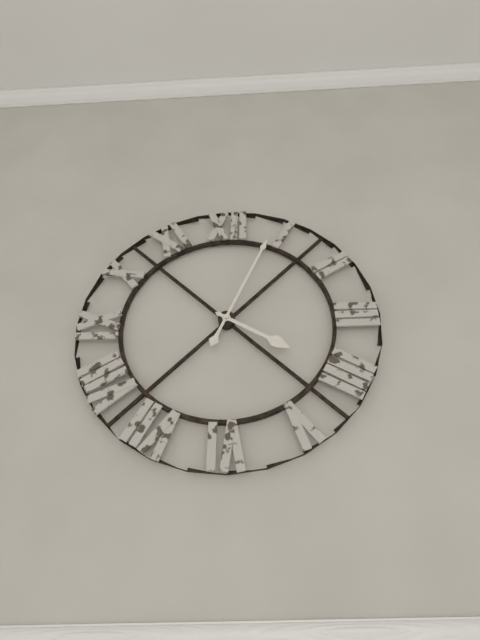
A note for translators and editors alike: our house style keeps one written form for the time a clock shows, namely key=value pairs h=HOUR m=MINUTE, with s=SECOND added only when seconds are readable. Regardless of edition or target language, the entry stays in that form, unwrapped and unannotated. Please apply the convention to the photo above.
h=4 m=4
